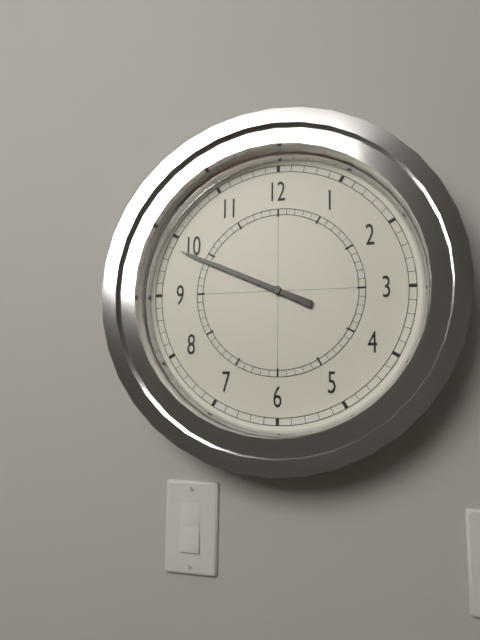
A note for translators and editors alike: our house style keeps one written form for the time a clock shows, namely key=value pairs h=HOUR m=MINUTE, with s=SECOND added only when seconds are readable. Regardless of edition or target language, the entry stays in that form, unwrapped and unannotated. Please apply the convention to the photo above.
h=9 m=49
